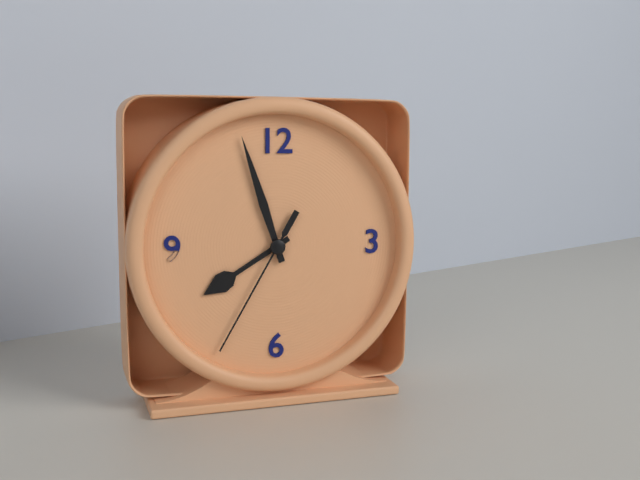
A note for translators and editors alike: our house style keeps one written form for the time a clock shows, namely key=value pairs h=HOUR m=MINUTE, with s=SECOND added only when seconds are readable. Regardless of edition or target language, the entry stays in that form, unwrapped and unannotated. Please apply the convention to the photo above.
h=7 m=57 s=35
